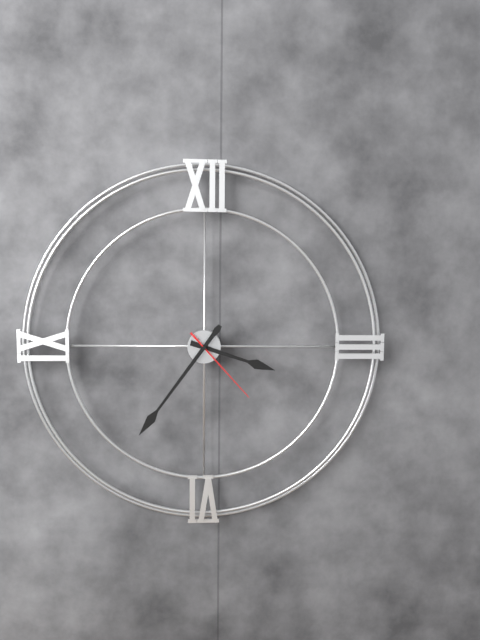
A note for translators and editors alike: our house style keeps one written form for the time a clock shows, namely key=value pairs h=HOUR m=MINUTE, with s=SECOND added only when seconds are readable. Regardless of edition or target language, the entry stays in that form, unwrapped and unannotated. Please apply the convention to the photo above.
h=3 m=36 s=23
